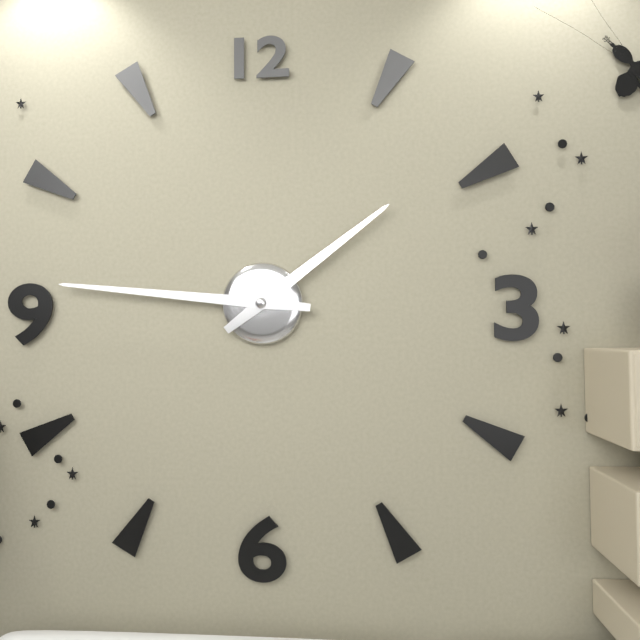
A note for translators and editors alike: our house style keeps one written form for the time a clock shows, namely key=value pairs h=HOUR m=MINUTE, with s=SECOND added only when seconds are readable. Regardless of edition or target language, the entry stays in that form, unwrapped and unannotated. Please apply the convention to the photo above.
h=1 m=46
